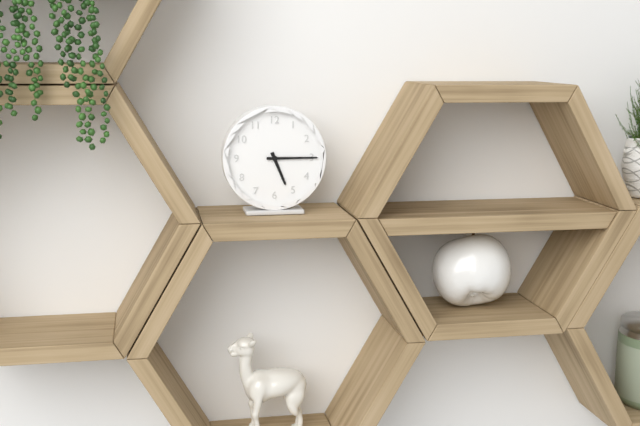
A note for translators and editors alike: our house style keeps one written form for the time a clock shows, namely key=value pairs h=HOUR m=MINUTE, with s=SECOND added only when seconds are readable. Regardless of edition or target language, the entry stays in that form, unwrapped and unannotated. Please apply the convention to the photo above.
h=5 m=15
